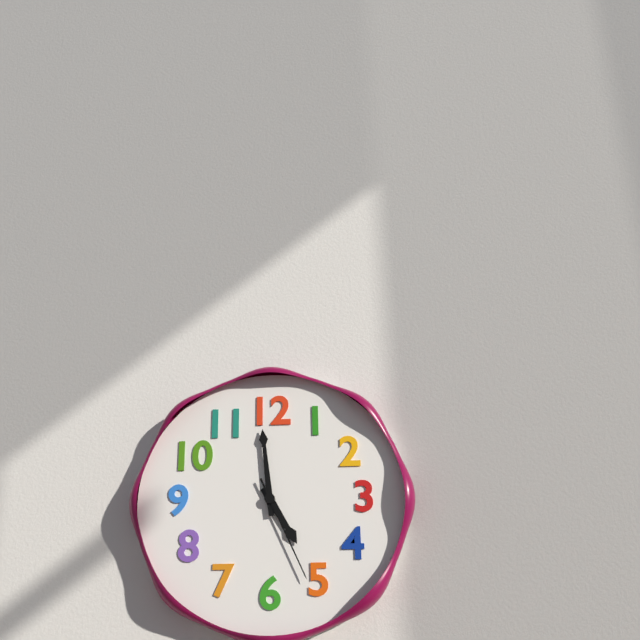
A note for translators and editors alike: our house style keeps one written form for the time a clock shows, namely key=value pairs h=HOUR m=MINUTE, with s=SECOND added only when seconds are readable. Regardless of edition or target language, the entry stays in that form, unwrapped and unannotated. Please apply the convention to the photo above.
h=4 m=59 s=26
